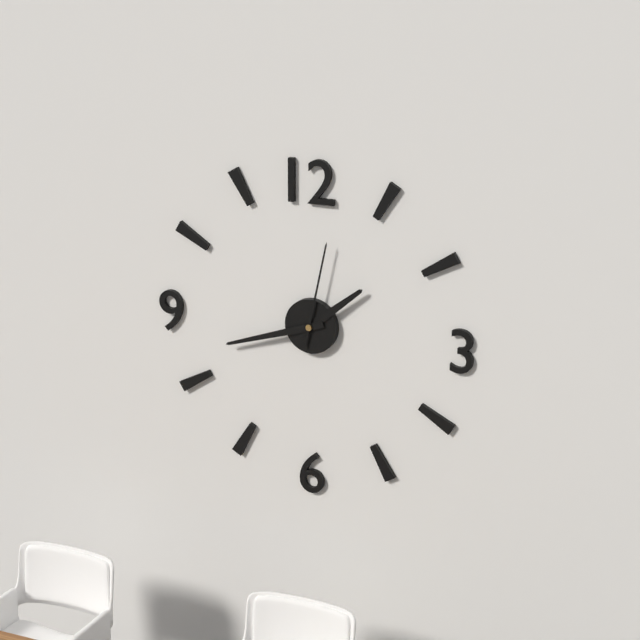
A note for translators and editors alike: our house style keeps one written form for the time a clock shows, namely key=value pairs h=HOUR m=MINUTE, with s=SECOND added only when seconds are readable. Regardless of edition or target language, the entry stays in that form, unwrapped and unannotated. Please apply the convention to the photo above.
h=1 m=42 s=2
